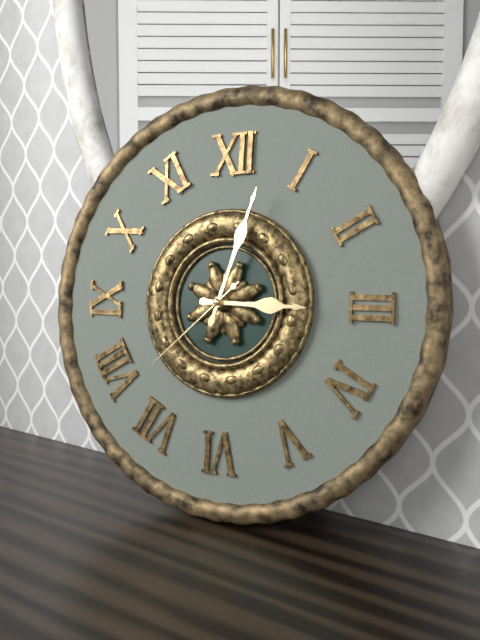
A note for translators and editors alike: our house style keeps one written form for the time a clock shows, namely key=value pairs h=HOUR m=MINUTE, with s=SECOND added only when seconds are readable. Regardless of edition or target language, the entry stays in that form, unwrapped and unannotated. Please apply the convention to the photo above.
h=3 m=3 s=38
